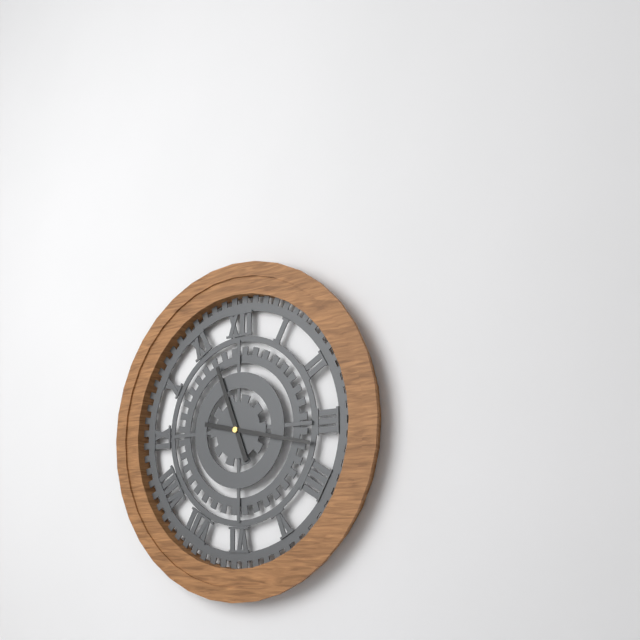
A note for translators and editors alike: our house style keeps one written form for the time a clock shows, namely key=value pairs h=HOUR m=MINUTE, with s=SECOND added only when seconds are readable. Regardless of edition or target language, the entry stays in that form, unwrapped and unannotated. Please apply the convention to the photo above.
h=11 m=17
